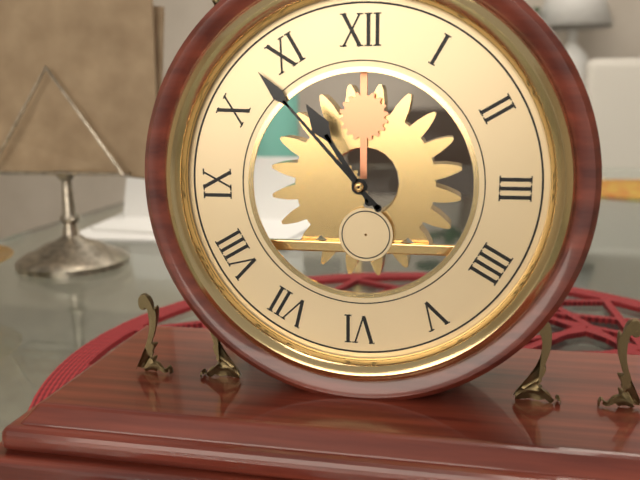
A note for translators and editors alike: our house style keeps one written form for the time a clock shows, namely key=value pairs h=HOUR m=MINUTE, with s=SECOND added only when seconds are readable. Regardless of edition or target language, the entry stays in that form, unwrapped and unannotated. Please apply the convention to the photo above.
h=10 m=53
